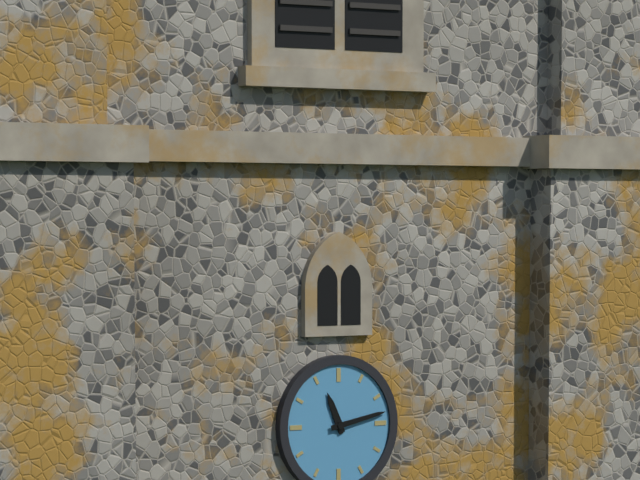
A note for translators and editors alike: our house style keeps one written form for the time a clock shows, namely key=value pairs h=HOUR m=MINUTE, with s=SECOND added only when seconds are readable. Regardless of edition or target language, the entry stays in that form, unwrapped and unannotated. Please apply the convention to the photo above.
h=11 m=13
